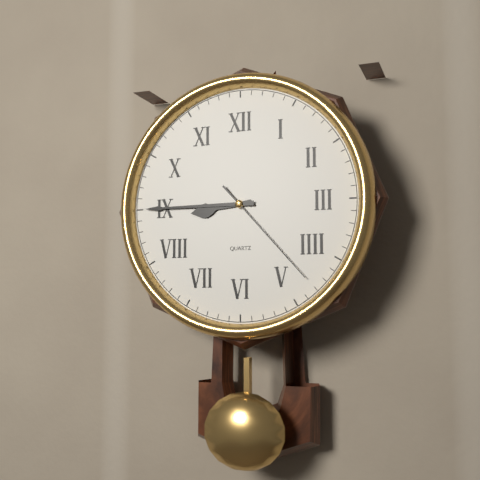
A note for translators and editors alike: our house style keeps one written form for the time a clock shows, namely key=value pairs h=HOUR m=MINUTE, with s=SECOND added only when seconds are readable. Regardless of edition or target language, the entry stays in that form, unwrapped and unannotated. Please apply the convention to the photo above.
h=8 m=45 s=23
